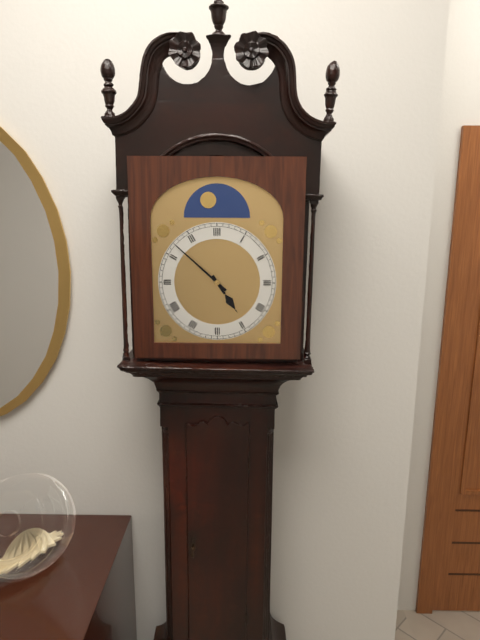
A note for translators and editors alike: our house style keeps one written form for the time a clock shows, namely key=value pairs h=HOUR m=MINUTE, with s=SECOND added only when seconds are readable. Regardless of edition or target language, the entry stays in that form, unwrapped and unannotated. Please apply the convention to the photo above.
h=4 m=52
